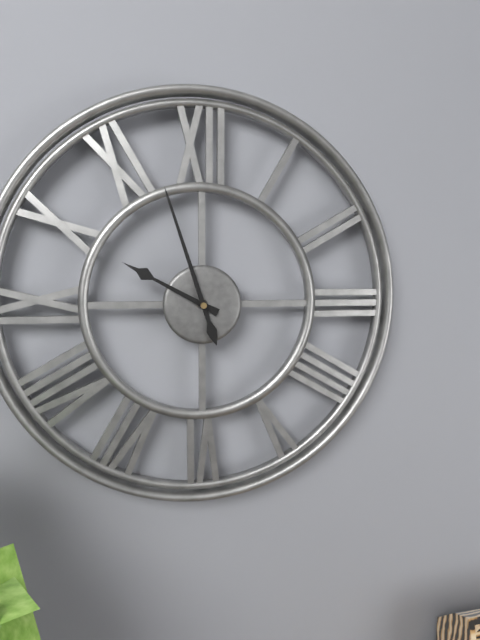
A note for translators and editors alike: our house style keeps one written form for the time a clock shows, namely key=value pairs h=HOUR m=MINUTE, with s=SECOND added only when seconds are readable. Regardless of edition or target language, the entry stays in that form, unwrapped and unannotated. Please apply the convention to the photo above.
h=9 m=57
